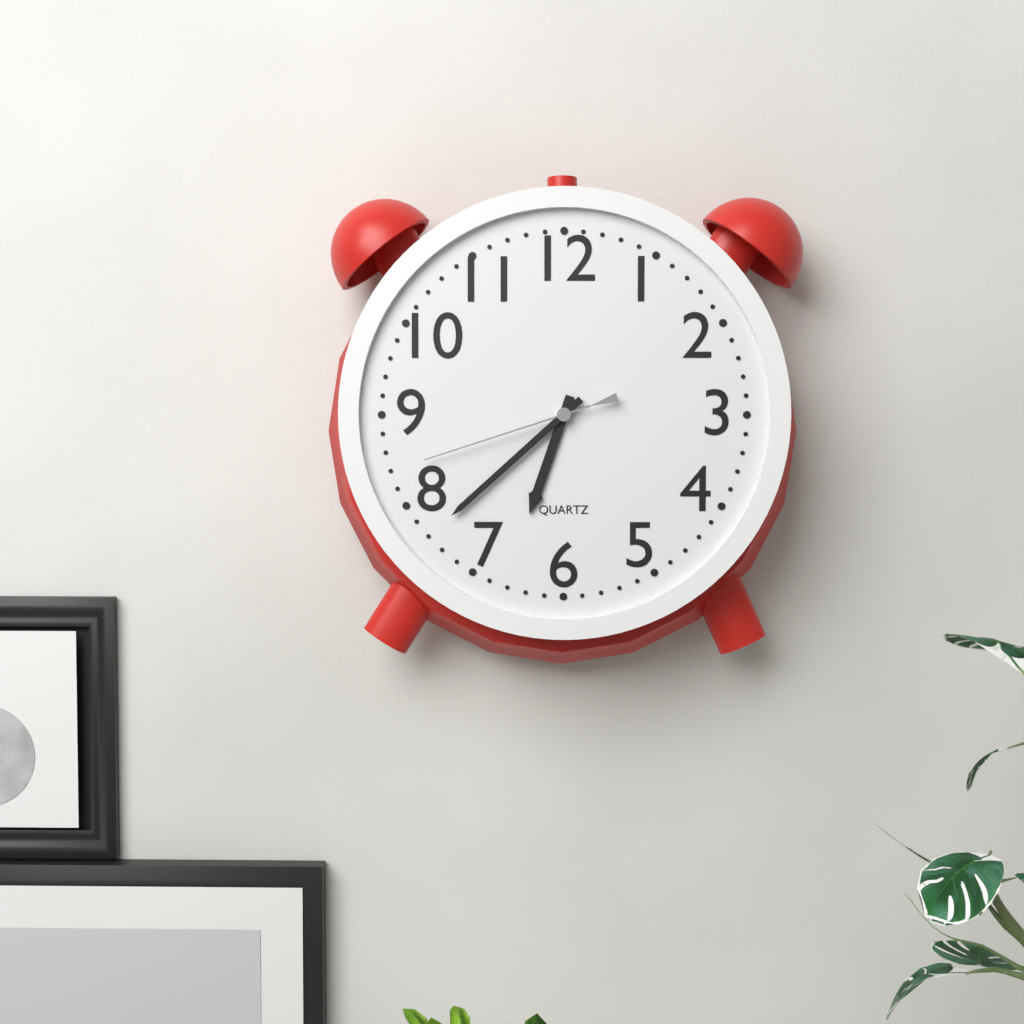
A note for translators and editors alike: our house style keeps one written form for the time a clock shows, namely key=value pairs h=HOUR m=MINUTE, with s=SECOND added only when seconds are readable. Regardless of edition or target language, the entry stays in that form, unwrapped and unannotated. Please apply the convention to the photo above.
h=6 m=38 s=42
